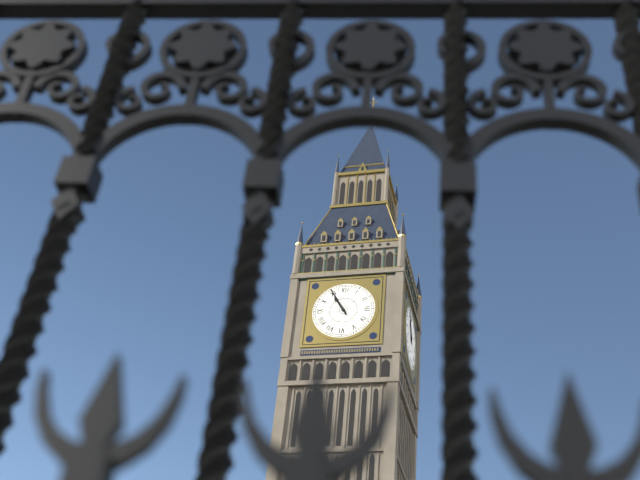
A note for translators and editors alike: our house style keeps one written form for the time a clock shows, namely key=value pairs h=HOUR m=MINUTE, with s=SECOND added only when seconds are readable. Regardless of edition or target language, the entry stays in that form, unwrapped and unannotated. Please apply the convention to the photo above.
h=10 m=55
